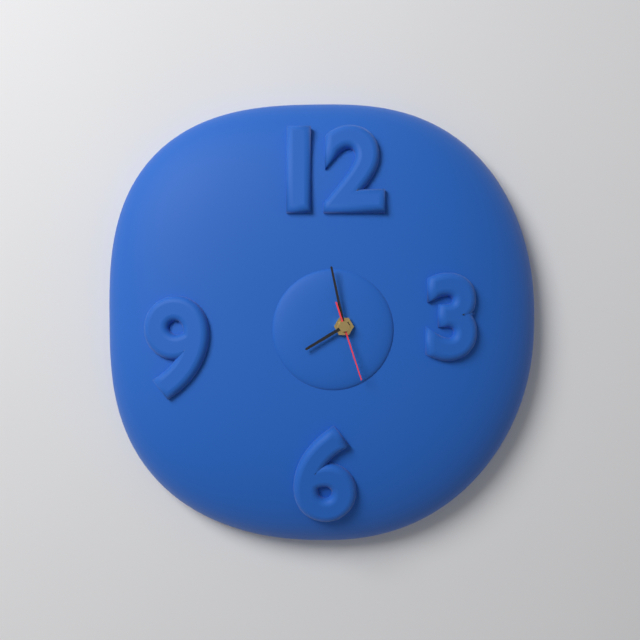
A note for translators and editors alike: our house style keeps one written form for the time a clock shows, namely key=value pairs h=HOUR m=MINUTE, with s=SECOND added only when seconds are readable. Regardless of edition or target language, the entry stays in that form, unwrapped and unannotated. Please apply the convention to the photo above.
h=7 m=58 s=27
